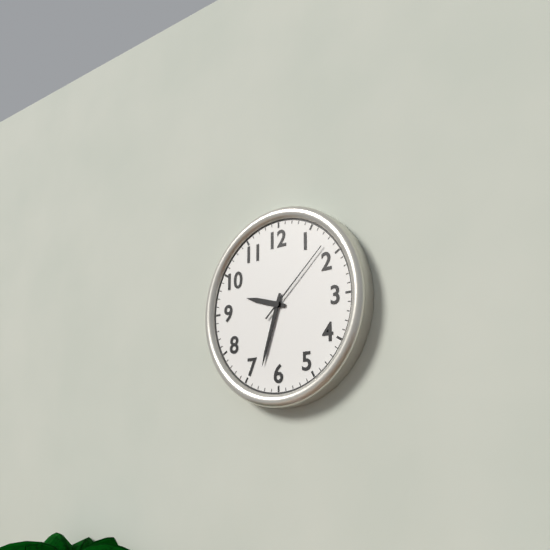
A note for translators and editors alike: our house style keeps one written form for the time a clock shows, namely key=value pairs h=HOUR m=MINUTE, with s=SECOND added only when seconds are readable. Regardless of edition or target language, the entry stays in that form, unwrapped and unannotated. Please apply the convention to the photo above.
h=9 m=33 s=8
